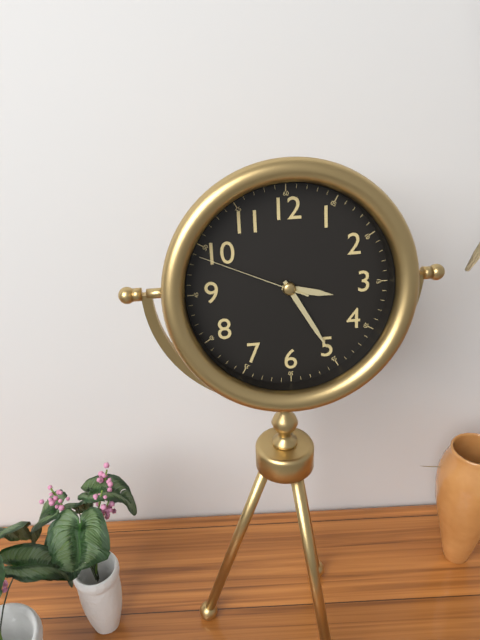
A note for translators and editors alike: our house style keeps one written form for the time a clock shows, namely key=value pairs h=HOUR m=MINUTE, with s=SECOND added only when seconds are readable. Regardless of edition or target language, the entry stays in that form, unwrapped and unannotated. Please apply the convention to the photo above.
h=3 m=25 s=49
